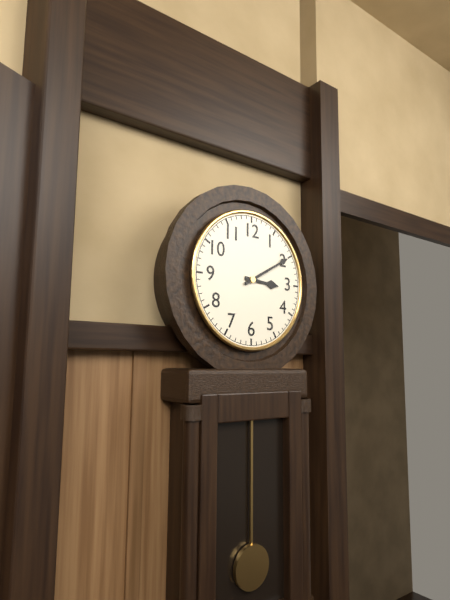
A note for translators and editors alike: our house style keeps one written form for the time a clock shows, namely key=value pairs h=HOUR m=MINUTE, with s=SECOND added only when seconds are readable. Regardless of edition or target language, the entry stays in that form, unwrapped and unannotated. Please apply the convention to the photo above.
h=3 m=10
